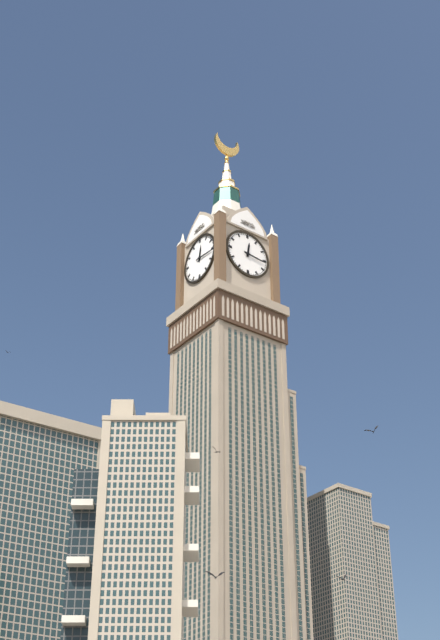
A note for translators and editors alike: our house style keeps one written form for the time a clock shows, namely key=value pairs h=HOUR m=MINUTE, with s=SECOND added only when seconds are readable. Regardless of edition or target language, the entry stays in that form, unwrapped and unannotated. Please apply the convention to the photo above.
h=12 m=16
